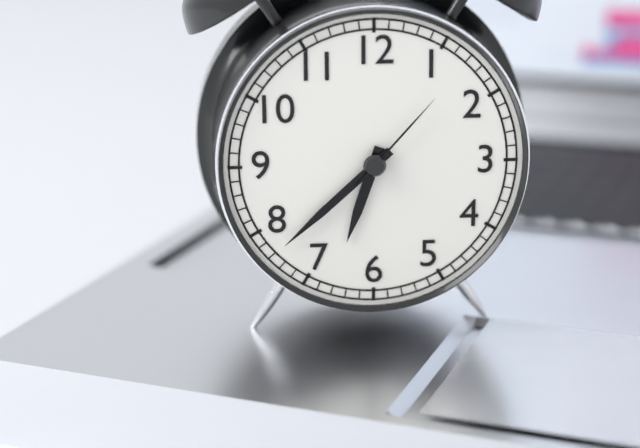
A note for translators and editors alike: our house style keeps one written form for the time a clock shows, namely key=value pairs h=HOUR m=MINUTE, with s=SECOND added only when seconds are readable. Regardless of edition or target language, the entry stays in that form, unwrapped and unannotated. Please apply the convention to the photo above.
h=6 m=38 s=7
